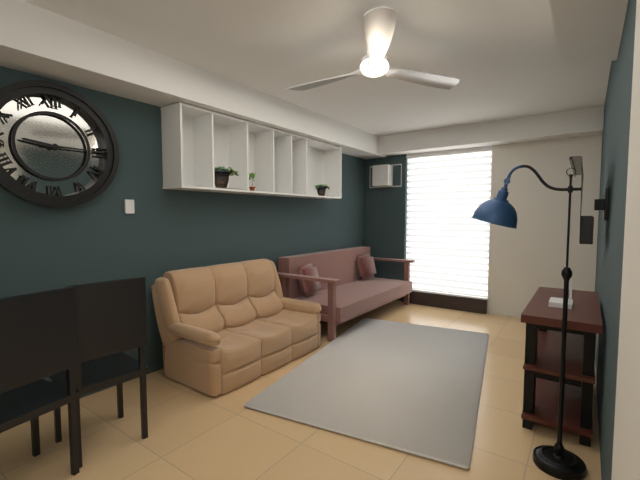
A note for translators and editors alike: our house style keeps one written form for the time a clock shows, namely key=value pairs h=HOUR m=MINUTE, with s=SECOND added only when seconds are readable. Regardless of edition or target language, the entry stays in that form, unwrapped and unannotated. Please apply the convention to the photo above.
h=9 m=15
